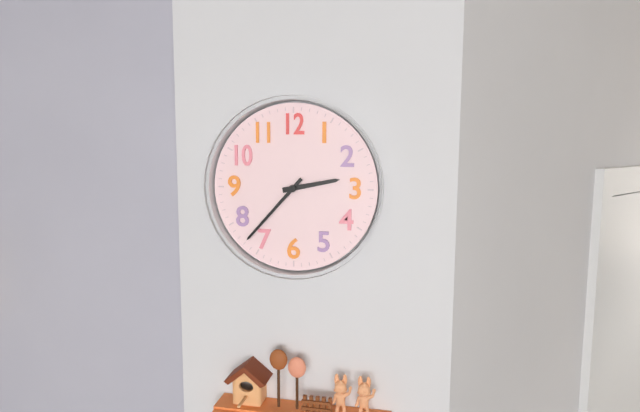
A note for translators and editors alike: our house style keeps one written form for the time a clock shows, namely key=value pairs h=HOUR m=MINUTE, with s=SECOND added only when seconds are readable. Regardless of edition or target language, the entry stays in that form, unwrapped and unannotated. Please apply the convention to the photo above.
h=2 m=37
